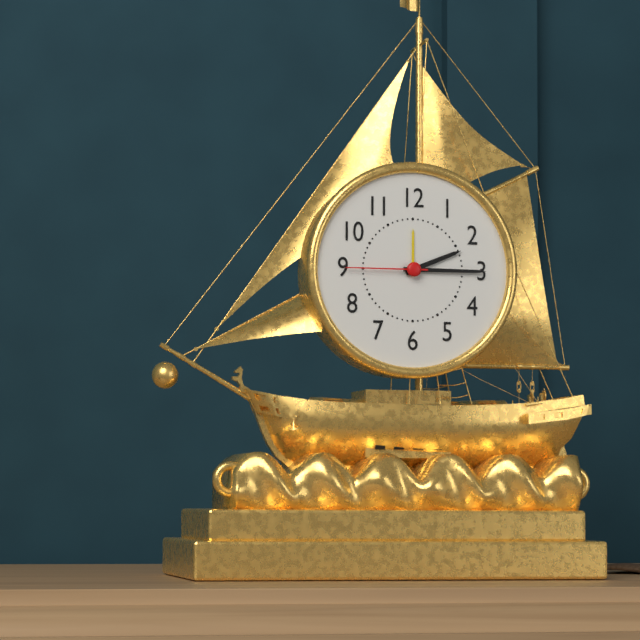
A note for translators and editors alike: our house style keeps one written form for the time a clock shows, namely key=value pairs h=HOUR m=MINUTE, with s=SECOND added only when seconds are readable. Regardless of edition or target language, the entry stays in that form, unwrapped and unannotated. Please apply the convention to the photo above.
h=2 m=15 s=45
